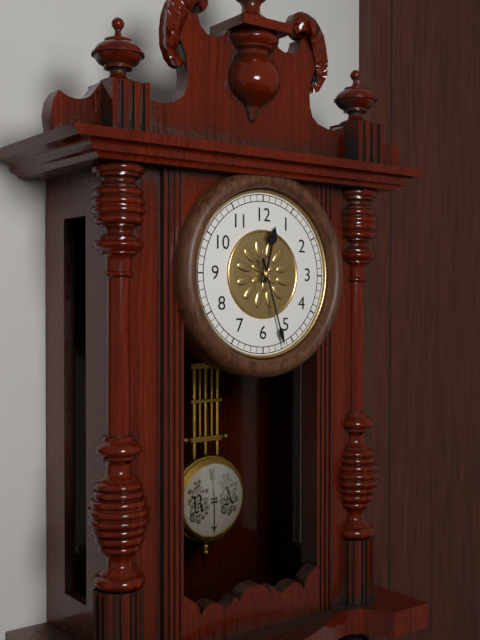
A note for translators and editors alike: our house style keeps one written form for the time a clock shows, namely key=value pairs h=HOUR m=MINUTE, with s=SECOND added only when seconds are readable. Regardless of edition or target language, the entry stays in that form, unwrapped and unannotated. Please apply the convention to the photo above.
h=12 m=27
